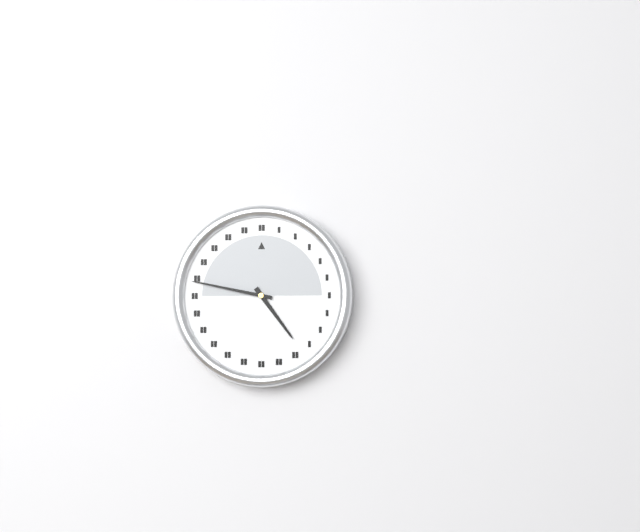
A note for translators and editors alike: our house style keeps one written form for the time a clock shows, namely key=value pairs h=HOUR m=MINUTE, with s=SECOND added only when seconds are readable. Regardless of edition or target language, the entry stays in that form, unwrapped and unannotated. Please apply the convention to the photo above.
h=4 m=47
